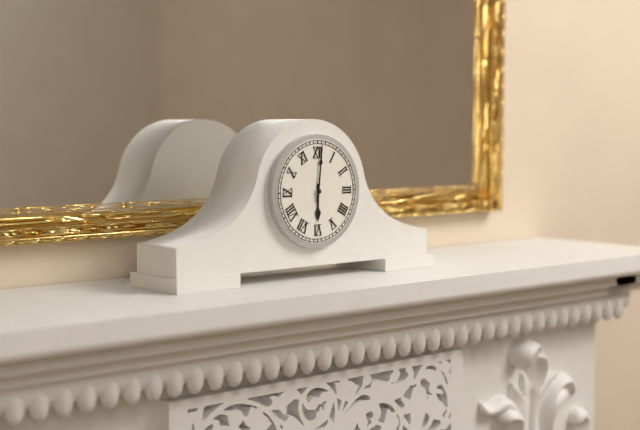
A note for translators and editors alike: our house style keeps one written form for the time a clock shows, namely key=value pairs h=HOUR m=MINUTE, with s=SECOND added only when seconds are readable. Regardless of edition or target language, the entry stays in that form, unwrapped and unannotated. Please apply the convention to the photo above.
h=6 m=1
